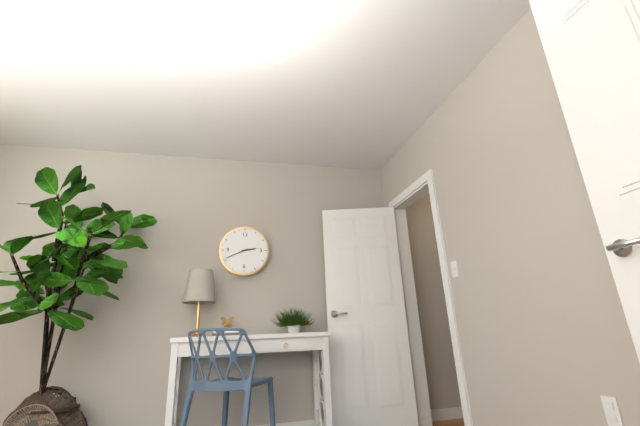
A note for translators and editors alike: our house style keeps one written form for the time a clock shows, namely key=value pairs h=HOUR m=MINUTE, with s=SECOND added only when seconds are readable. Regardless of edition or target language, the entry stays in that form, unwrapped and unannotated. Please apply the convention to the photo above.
h=2 m=41
